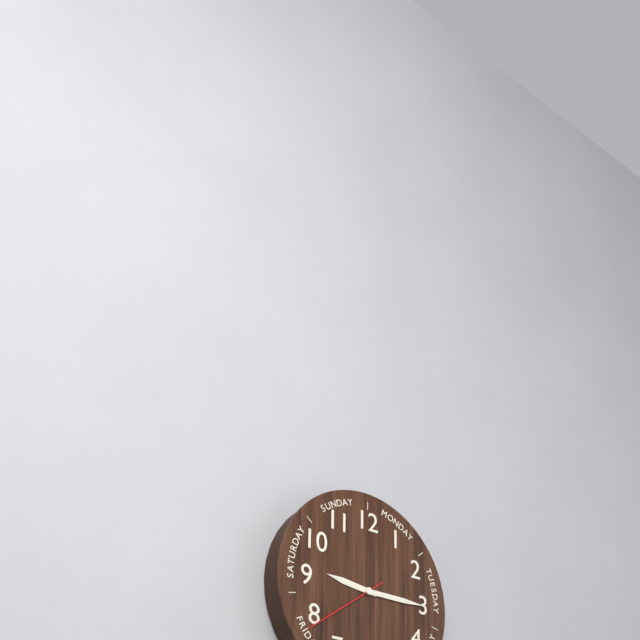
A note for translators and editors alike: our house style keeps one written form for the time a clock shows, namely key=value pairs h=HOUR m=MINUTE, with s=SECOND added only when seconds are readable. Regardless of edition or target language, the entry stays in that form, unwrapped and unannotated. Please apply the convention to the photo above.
h=9 m=15 s=39
